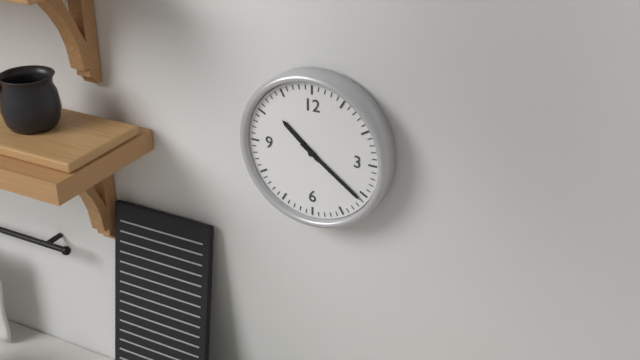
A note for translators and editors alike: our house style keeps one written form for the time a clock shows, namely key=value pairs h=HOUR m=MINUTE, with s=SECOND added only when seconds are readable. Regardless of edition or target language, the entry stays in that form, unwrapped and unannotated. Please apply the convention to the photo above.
h=10 m=21
